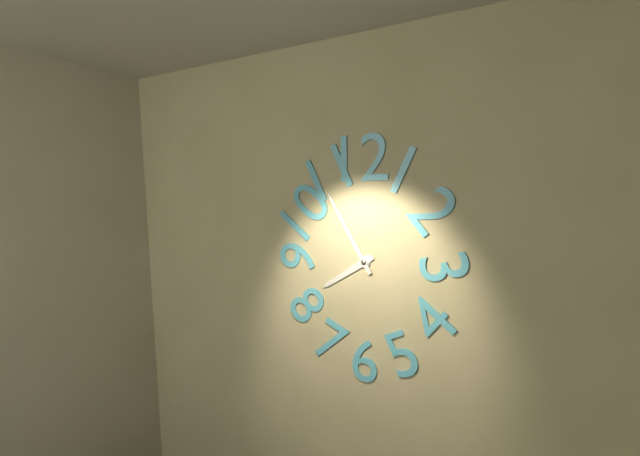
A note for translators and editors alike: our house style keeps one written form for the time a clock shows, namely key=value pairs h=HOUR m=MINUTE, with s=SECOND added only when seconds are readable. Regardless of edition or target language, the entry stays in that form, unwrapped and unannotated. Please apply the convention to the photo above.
h=7 m=55
